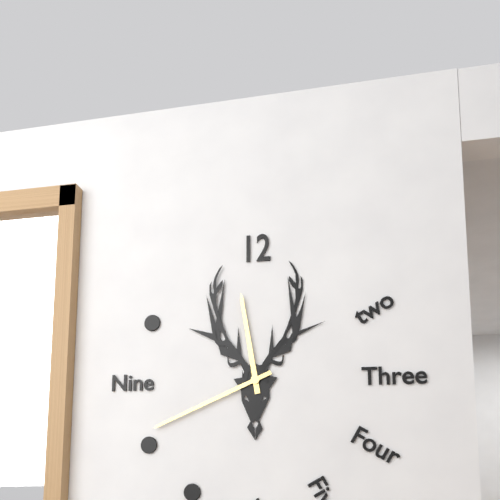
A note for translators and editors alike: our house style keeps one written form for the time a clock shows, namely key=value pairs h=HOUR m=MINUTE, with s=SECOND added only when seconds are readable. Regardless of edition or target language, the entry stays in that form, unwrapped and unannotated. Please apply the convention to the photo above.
h=11 m=41
